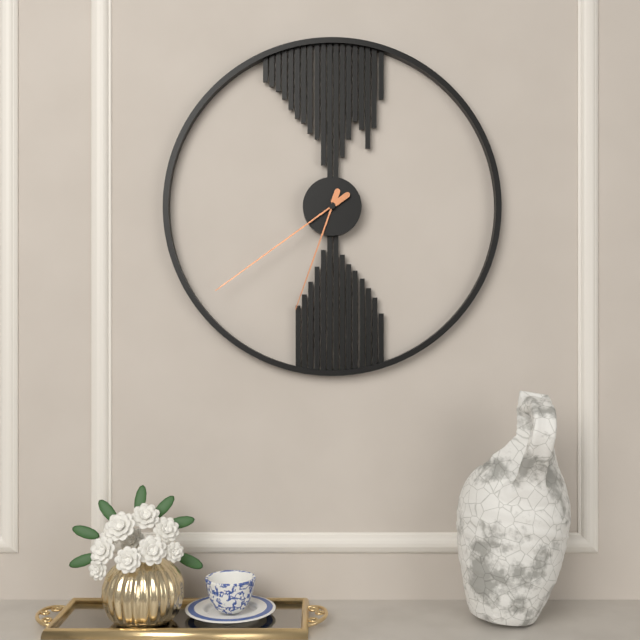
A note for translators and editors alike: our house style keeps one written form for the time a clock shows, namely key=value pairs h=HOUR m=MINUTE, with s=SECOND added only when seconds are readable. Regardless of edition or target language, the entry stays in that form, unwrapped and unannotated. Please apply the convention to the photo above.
h=6 m=39
